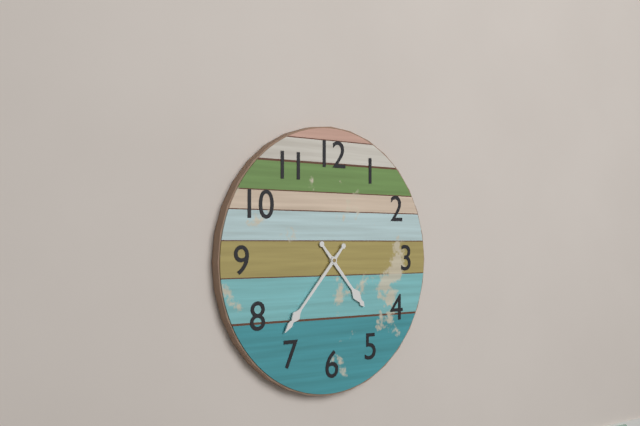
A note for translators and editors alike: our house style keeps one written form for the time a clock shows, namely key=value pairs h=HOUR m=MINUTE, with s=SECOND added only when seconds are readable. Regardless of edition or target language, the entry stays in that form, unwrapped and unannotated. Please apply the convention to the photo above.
h=4 m=37
